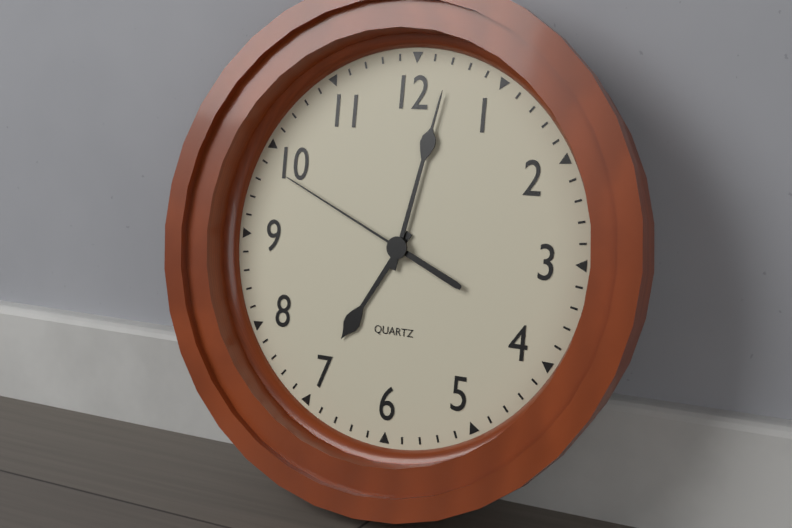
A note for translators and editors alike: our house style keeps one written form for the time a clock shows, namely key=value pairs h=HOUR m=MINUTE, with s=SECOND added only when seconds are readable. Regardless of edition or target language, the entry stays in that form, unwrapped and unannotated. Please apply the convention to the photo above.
h=7 m=2 s=49
